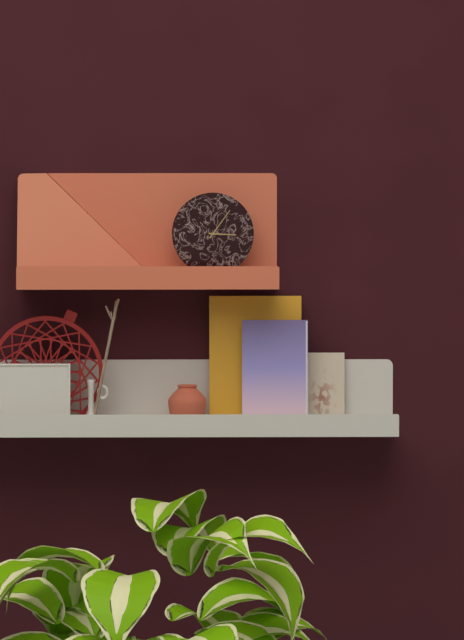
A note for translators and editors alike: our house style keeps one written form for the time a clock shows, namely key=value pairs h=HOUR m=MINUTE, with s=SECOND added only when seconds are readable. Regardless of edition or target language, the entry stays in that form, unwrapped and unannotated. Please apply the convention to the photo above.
h=3 m=6
